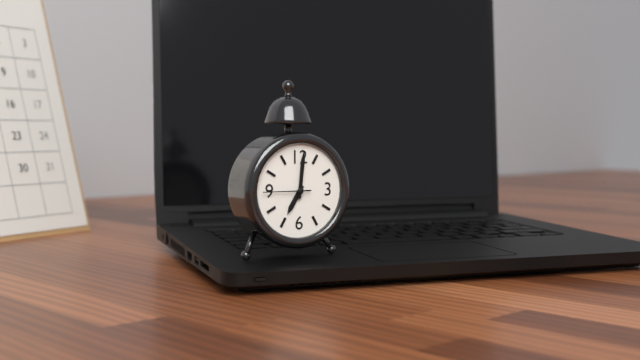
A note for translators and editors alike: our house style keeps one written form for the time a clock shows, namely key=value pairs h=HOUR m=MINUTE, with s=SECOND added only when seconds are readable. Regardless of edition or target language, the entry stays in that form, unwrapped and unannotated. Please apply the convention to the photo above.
h=7 m=1
